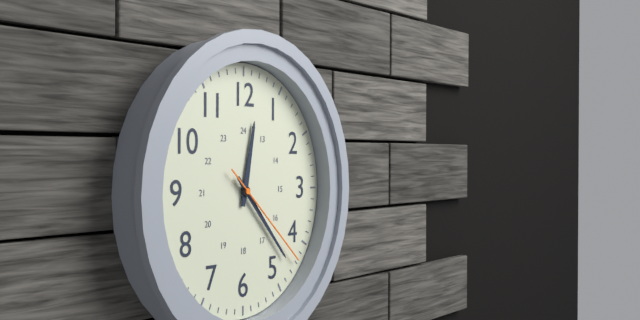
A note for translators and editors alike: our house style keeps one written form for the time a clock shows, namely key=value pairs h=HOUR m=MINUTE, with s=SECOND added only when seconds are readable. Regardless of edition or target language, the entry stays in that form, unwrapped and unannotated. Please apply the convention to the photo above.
h=12 m=23 s=22
